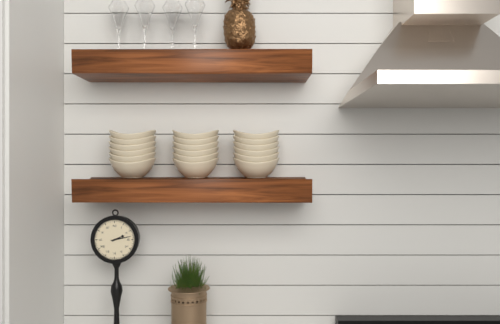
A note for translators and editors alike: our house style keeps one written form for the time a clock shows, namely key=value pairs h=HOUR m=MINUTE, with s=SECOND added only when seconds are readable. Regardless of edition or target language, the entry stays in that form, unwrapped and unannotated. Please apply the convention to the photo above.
h=2 m=13
